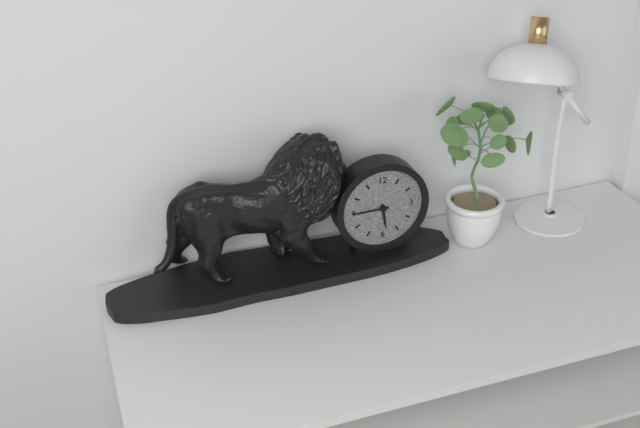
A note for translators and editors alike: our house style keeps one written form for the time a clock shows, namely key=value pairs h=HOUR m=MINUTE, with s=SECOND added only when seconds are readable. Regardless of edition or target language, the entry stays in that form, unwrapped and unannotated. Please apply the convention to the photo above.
h=5 m=45
